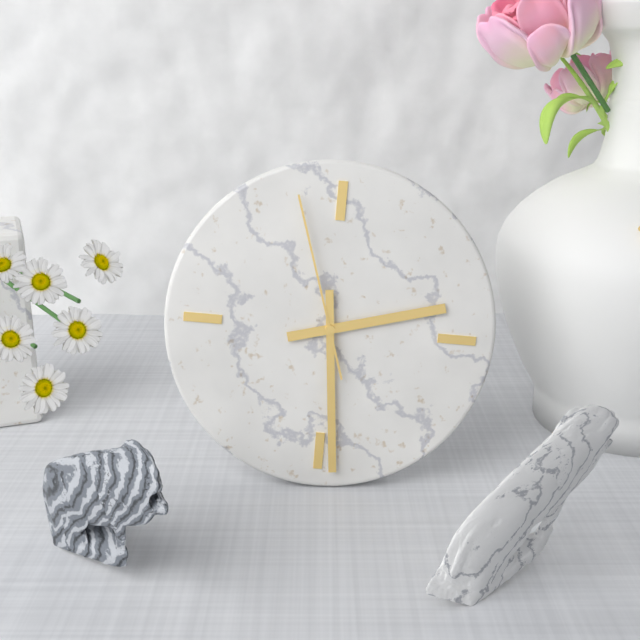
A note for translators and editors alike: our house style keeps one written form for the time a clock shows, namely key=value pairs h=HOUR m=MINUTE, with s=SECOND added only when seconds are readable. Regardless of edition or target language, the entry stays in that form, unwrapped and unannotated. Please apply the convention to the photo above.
h=2 m=29 s=57
